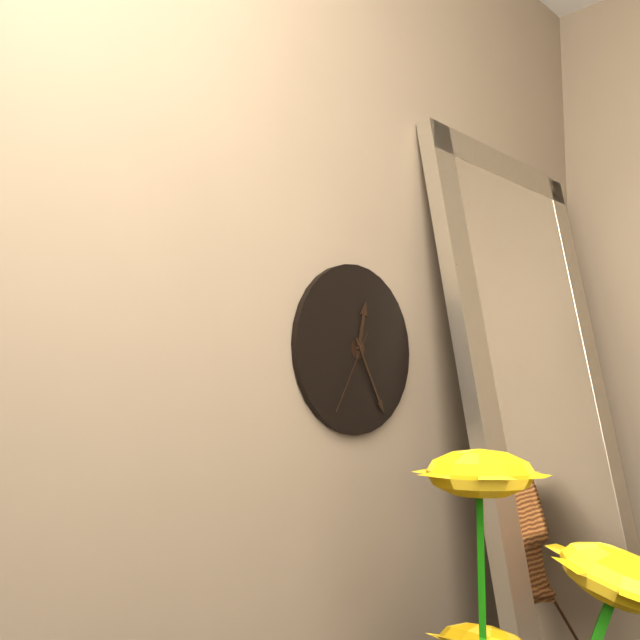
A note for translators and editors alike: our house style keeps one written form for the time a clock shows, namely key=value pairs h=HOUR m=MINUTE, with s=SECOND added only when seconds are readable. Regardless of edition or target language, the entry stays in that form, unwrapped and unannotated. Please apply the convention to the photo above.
h=12 m=25 s=35
